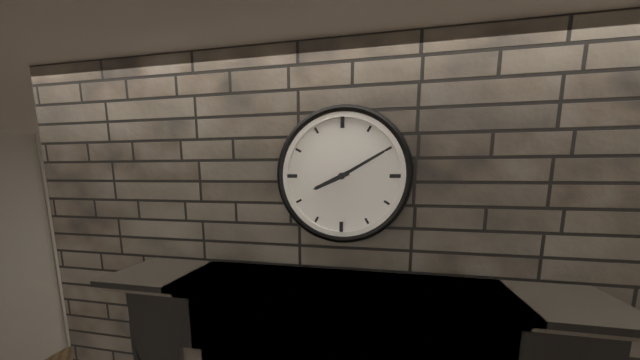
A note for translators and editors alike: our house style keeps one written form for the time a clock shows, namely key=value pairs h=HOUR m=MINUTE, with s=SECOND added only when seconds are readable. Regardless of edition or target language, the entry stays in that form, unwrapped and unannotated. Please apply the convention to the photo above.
h=8 m=10
